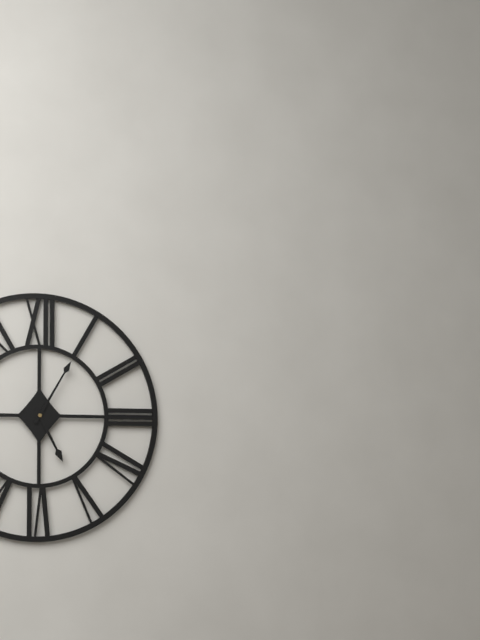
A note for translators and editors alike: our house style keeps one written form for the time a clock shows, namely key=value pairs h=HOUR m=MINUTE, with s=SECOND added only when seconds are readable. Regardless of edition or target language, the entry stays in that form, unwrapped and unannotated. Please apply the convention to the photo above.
h=5 m=5
